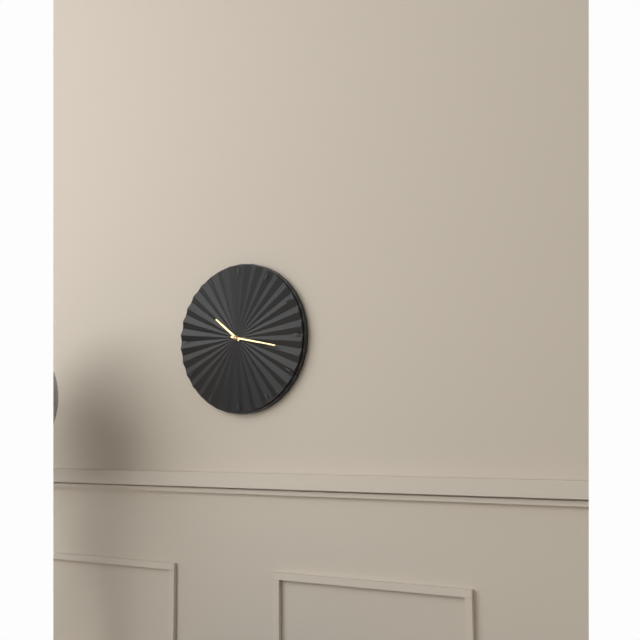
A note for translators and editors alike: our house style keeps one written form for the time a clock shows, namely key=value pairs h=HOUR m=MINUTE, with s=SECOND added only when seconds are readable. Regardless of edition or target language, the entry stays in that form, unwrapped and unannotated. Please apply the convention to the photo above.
h=10 m=17
